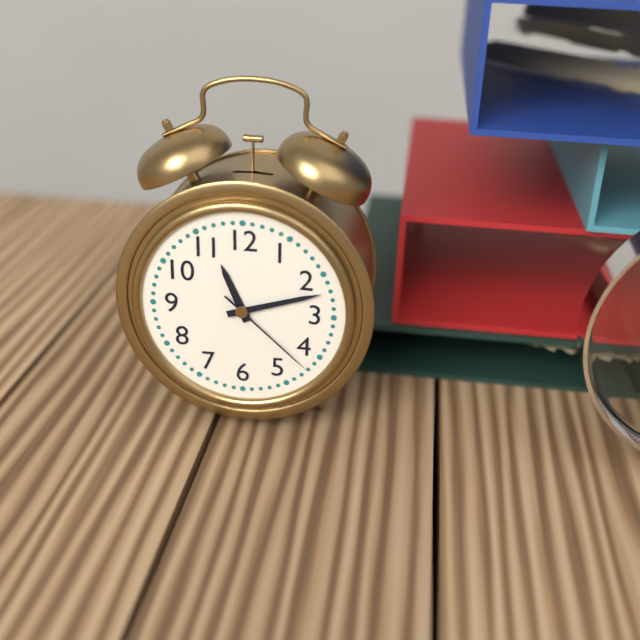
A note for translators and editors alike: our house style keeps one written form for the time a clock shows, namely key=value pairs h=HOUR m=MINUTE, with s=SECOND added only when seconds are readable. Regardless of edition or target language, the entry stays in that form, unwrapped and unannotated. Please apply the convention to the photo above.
h=11 m=12 s=22
